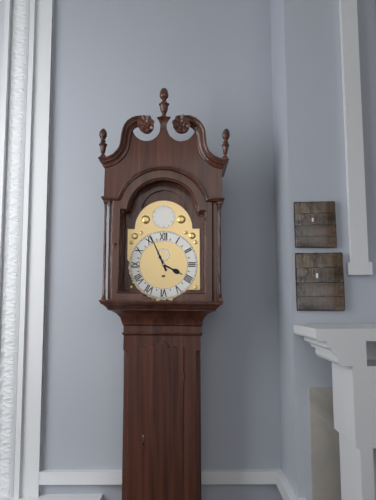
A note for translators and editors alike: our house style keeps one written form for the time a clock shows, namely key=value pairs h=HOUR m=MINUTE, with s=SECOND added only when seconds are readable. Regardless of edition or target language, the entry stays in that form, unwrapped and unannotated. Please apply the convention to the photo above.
h=3 m=56
